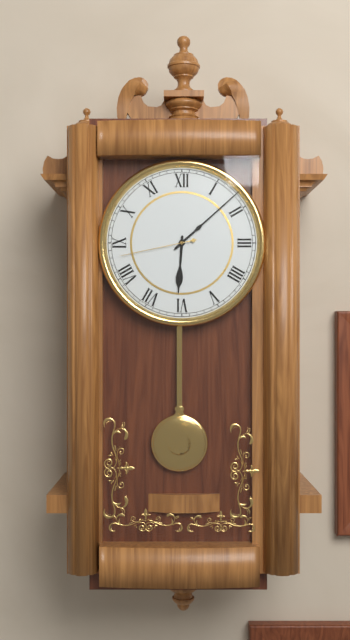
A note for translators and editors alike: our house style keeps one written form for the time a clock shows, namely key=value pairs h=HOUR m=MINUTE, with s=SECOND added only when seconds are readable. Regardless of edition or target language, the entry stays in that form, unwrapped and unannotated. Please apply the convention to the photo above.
h=6 m=8 s=43
